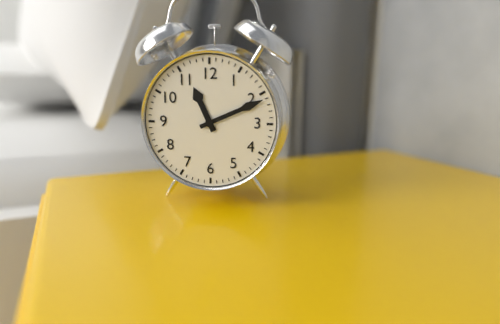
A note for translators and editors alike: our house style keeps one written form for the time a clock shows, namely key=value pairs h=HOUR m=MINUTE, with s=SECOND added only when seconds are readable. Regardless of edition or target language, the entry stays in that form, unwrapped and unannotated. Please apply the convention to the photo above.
h=11 m=11
